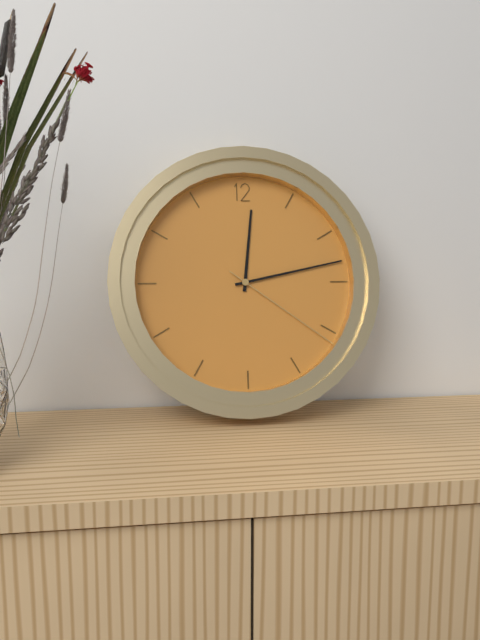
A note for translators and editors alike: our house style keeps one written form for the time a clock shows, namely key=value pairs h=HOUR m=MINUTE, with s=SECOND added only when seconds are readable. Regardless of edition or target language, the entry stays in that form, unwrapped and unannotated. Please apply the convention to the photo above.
h=12 m=13 s=21
